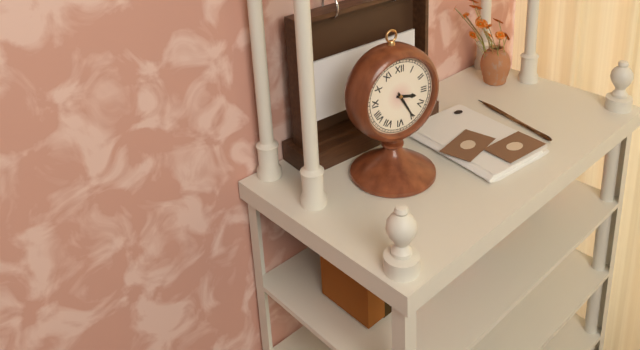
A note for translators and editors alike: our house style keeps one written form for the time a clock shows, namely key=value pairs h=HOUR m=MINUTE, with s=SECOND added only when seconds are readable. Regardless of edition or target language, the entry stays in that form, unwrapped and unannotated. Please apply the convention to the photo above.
h=3 m=25
